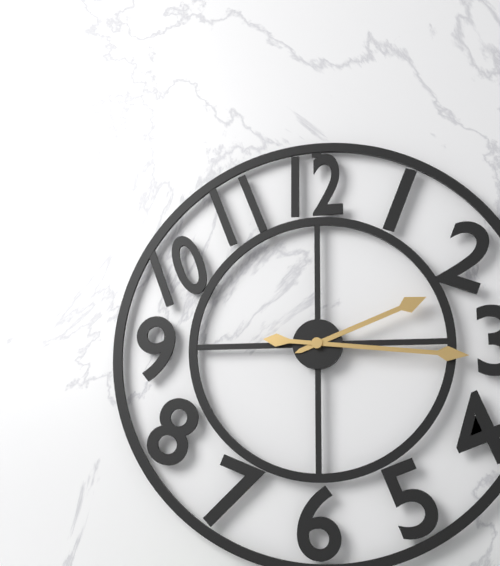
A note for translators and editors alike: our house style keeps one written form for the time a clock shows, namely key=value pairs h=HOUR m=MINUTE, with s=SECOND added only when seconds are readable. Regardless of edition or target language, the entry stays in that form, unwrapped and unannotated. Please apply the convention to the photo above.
h=2 m=16
